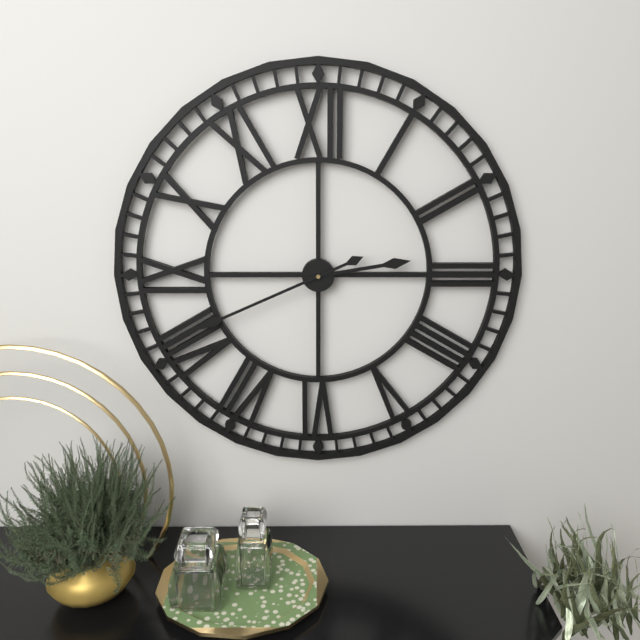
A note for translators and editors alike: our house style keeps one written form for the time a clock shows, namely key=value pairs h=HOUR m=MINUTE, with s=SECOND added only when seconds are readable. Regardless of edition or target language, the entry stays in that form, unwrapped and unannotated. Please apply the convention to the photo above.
h=2 m=41
